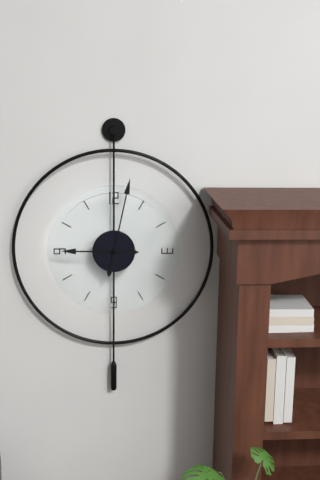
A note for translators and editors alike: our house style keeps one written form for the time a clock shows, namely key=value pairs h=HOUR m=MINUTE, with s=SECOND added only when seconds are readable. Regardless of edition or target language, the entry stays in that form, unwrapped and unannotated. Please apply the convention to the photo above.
h=9 m=2
